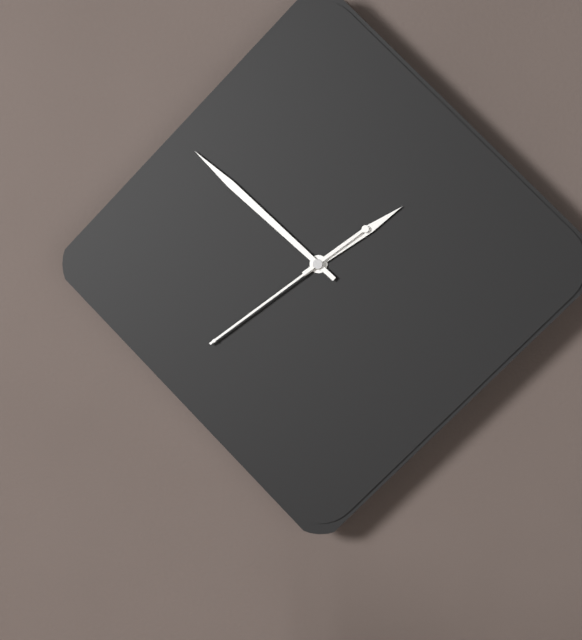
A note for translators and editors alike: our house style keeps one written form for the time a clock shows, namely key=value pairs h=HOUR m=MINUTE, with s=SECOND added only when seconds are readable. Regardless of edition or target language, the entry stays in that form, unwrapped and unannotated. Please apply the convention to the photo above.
h=1 m=52 s=39
